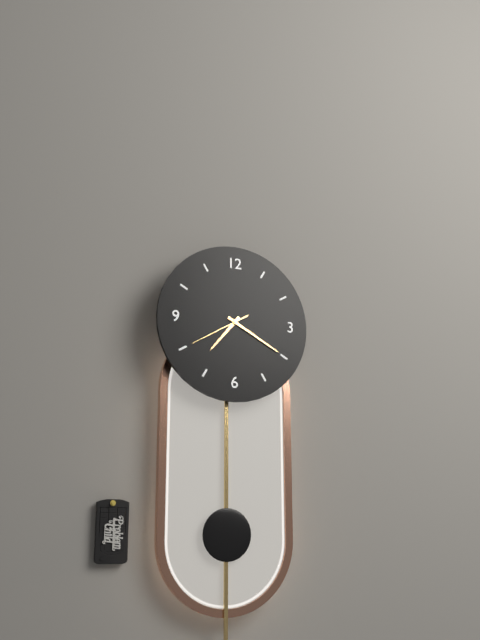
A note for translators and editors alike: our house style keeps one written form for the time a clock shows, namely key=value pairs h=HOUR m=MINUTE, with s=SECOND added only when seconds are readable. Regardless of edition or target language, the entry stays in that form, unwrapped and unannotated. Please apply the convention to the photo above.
h=7 m=20 s=40
